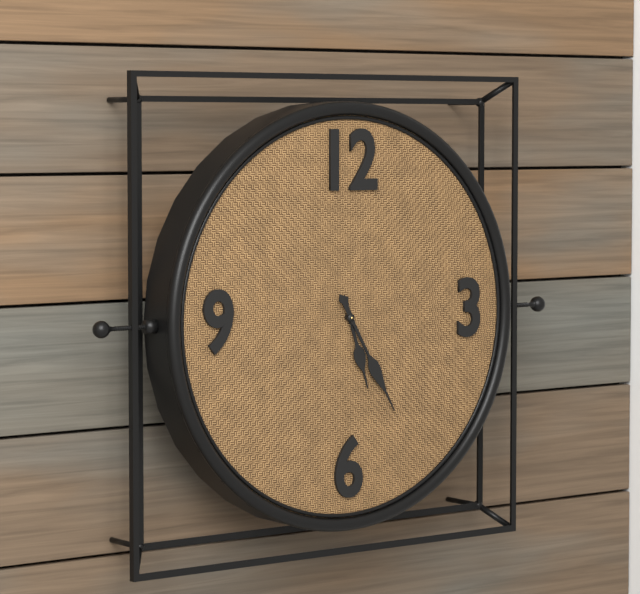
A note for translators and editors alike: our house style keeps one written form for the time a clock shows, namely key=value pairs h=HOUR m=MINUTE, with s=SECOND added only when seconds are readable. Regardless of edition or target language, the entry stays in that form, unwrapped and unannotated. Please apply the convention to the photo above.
h=5 m=25
